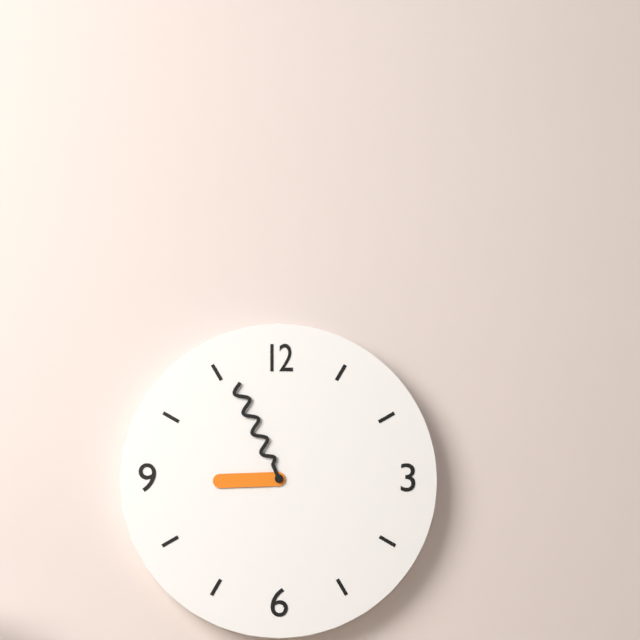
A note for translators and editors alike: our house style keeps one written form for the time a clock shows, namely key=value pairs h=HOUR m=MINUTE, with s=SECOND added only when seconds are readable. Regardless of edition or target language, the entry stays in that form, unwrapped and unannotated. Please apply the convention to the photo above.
h=8 m=56
